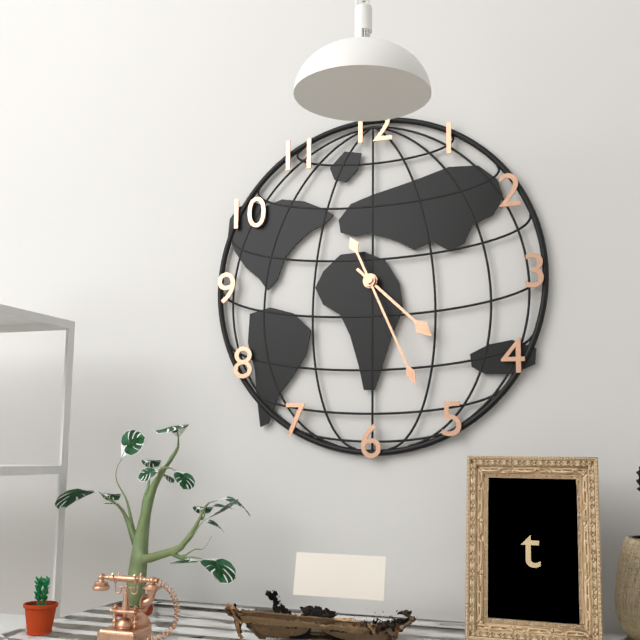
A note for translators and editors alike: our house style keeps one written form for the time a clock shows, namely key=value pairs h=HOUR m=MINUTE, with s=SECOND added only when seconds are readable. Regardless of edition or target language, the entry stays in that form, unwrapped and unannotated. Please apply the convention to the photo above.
h=4 m=26
